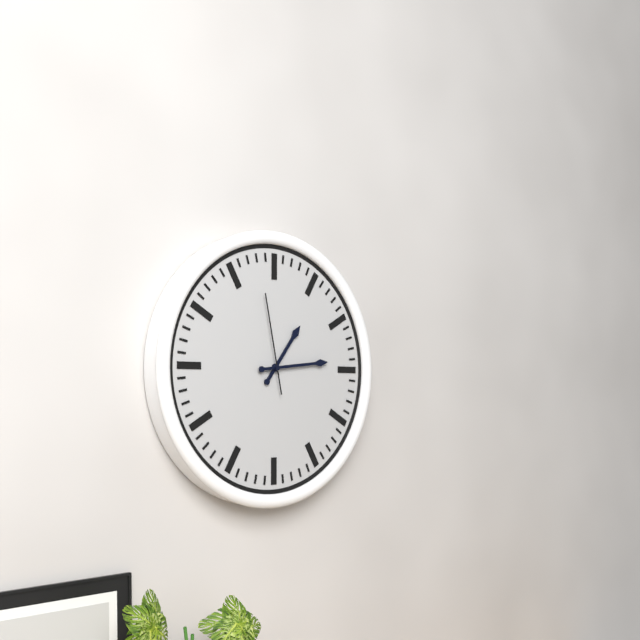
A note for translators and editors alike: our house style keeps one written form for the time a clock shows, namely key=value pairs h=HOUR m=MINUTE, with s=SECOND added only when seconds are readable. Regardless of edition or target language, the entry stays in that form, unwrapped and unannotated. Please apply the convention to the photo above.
h=1 m=14 s=58
